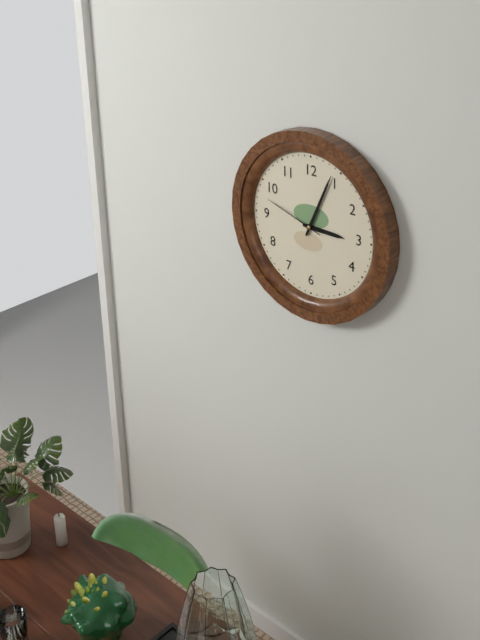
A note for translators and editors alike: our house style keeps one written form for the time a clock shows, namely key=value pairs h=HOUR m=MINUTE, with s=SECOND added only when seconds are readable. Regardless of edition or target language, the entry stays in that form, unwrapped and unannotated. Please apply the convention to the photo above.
h=3 m=4 s=48
